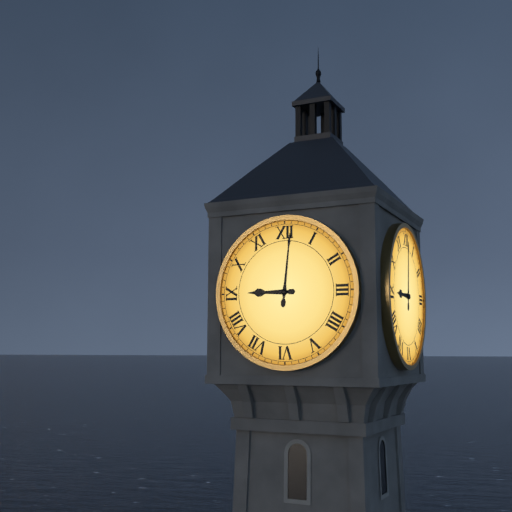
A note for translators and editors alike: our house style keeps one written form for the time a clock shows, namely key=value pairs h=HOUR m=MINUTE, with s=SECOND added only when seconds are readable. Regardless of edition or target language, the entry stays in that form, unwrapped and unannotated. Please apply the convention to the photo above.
h=9 m=1
